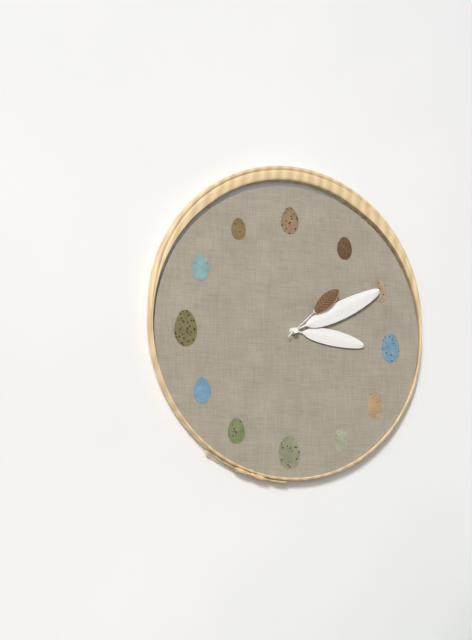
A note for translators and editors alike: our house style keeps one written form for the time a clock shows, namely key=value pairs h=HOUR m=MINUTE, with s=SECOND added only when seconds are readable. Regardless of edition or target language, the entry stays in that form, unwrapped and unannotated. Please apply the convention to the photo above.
h=3 m=11 s=8
